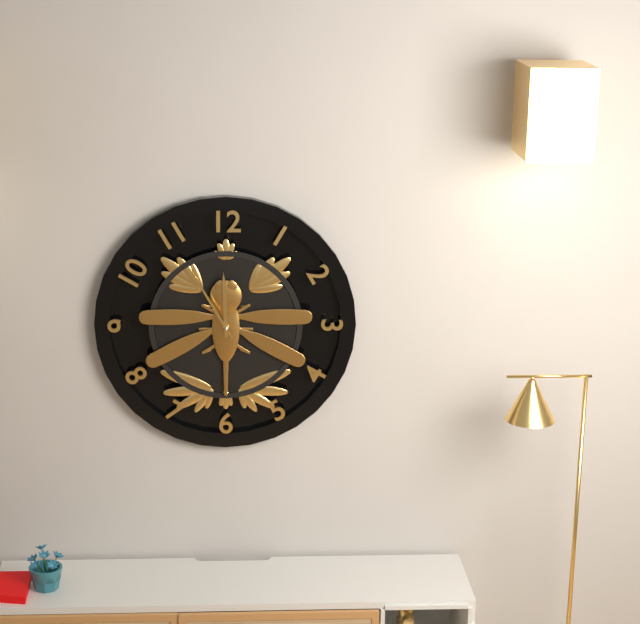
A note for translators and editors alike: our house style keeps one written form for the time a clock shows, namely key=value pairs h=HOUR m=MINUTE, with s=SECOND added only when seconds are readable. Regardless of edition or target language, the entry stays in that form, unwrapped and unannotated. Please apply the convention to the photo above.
h=11 m=55
